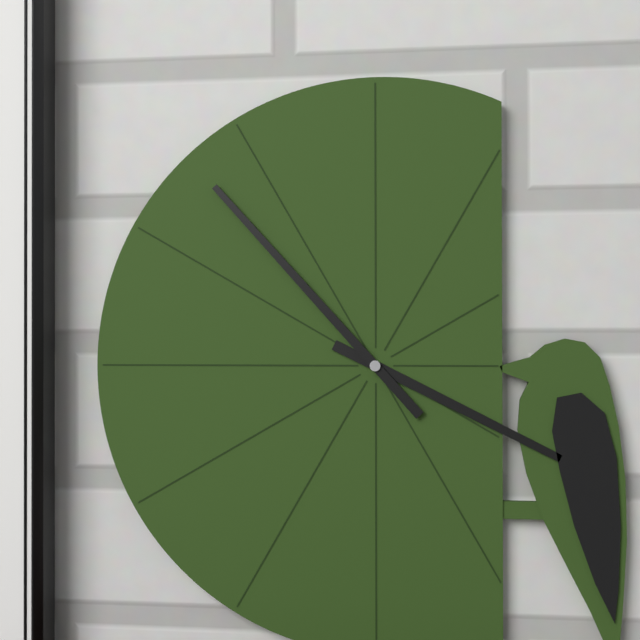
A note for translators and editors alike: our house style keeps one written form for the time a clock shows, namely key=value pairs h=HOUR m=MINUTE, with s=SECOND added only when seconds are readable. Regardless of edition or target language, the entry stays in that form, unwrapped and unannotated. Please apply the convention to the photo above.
h=3 m=53
